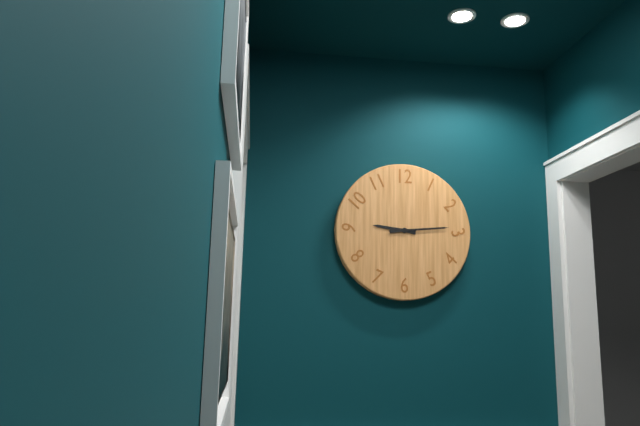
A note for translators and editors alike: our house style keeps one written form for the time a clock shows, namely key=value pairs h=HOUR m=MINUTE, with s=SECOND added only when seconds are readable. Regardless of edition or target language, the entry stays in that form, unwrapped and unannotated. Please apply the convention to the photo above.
h=9 m=14
